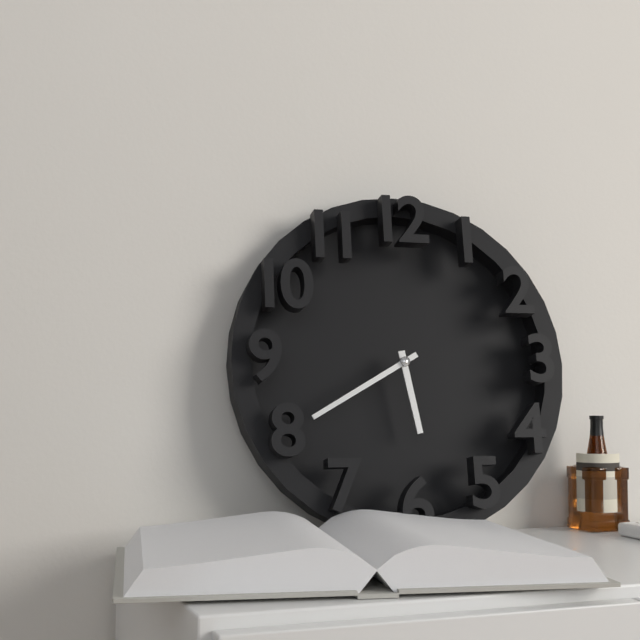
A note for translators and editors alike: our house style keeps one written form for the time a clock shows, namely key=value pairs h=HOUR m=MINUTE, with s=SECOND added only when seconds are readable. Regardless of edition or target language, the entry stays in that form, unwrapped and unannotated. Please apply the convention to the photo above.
h=5 m=40
